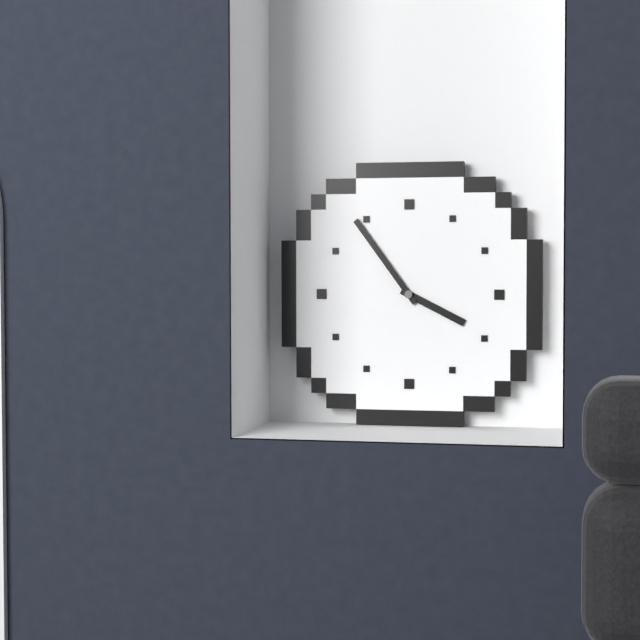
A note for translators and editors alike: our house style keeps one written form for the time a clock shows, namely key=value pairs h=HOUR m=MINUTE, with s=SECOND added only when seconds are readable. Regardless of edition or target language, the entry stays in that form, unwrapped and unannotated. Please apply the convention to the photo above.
h=3 m=54
